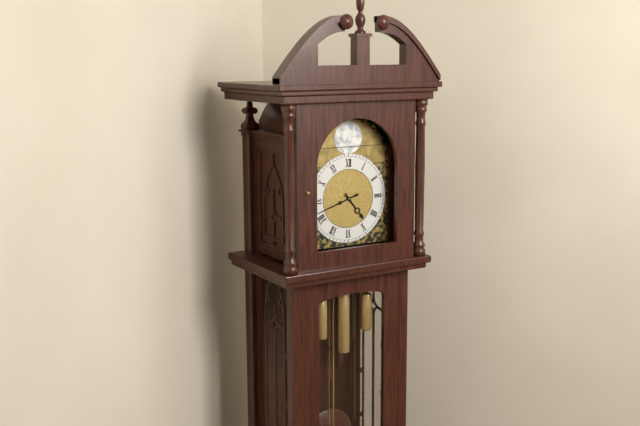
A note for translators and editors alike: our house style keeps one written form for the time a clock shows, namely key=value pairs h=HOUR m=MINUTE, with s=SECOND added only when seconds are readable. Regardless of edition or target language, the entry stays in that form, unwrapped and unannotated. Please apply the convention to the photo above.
h=4 m=42
